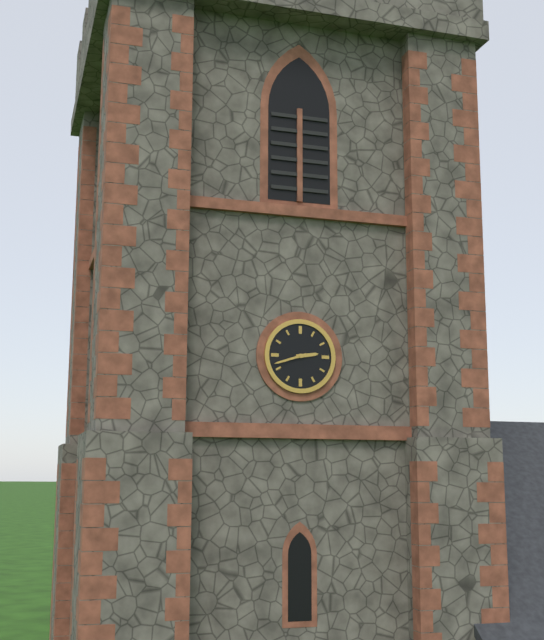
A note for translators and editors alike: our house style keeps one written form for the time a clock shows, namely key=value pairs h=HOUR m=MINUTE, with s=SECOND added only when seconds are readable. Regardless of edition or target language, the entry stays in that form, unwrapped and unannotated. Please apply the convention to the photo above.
h=2 m=42
